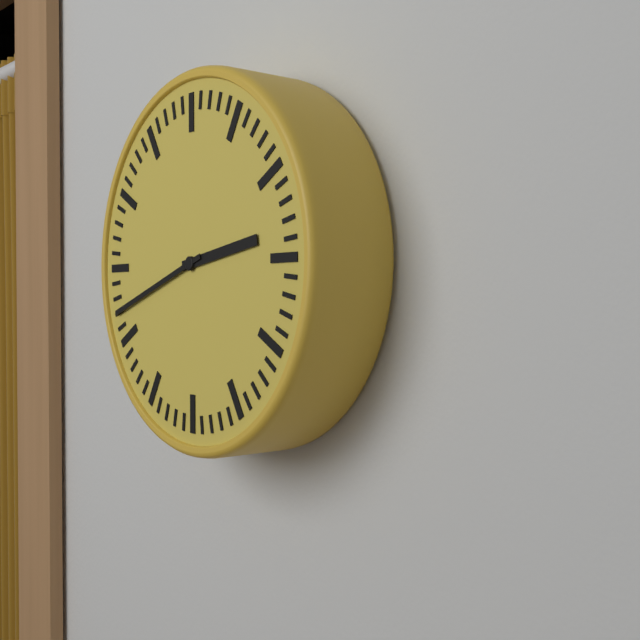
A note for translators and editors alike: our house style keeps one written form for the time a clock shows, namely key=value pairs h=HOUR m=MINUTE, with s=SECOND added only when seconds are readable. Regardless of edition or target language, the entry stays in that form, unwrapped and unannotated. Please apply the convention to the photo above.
h=2 m=42
